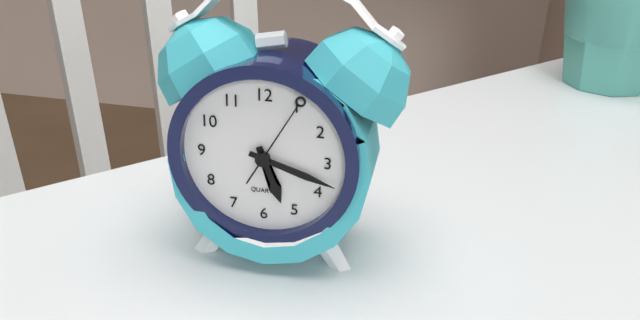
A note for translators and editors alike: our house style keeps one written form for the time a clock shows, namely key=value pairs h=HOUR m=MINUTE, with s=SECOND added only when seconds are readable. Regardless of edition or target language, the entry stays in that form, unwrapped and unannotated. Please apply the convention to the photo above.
h=5 m=18 s=5
